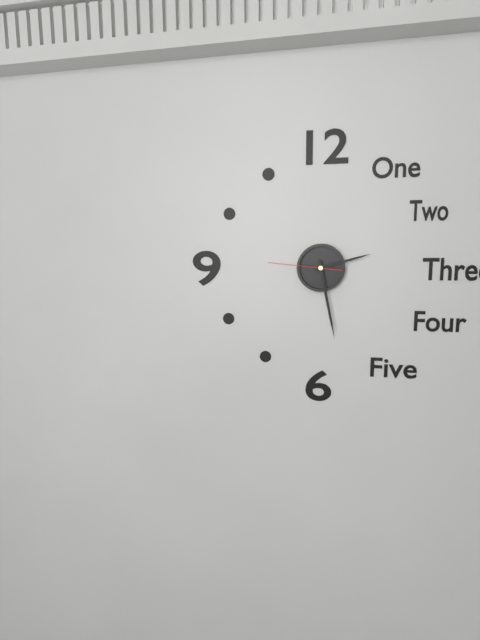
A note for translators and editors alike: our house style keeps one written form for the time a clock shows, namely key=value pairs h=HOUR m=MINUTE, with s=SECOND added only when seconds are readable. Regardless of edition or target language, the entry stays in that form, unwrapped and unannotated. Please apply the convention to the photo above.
h=2 m=28 s=46
